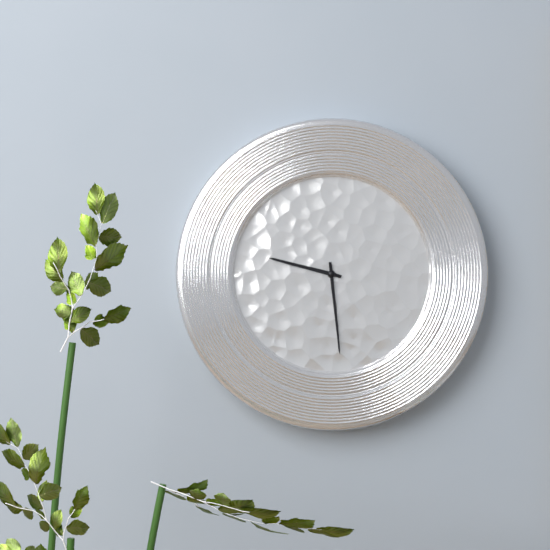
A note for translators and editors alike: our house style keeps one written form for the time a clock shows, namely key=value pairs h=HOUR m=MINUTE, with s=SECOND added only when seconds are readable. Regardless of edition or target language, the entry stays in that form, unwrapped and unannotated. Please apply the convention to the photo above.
h=9 m=29
